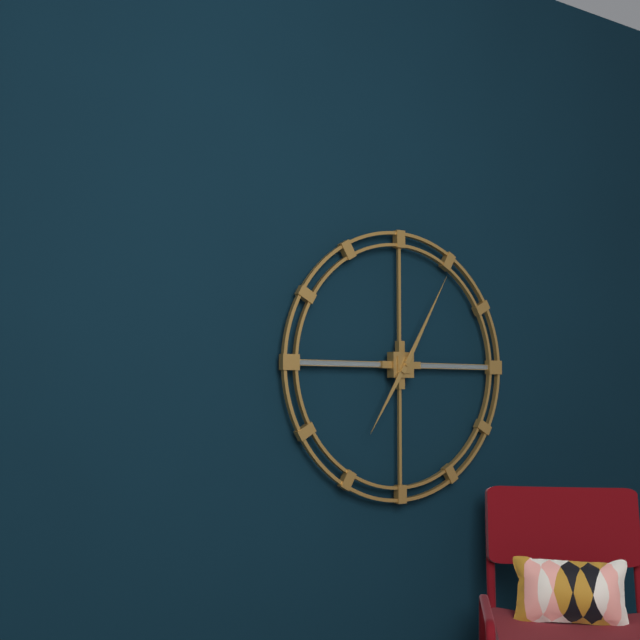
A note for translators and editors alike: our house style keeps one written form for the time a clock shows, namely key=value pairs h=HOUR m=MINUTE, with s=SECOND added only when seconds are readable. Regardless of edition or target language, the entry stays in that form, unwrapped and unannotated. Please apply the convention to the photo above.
h=7 m=5
